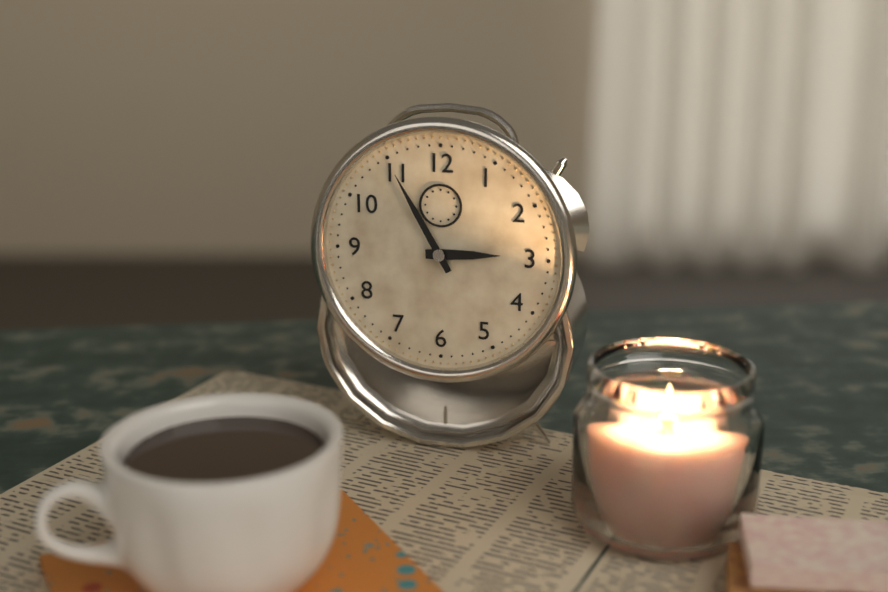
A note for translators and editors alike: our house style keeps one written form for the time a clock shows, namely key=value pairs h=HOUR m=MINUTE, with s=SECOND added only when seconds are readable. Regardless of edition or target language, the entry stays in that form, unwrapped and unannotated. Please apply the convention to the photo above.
h=2 m=55
